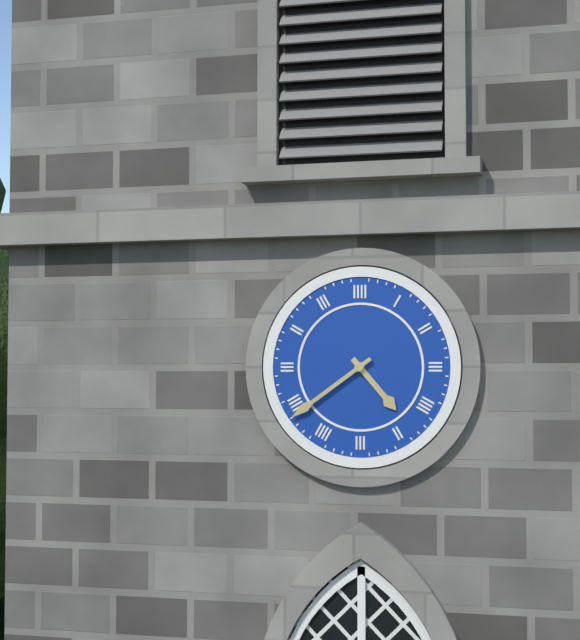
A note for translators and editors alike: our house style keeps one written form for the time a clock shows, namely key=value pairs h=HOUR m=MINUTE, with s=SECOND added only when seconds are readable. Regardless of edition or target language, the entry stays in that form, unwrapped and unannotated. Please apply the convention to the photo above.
h=4 m=39
